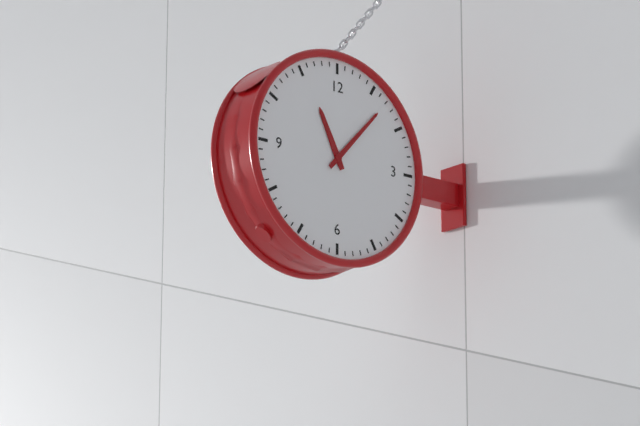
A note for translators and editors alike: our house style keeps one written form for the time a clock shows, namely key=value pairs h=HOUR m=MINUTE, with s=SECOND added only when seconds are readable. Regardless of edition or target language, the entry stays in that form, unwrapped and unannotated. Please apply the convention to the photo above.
h=11 m=7
